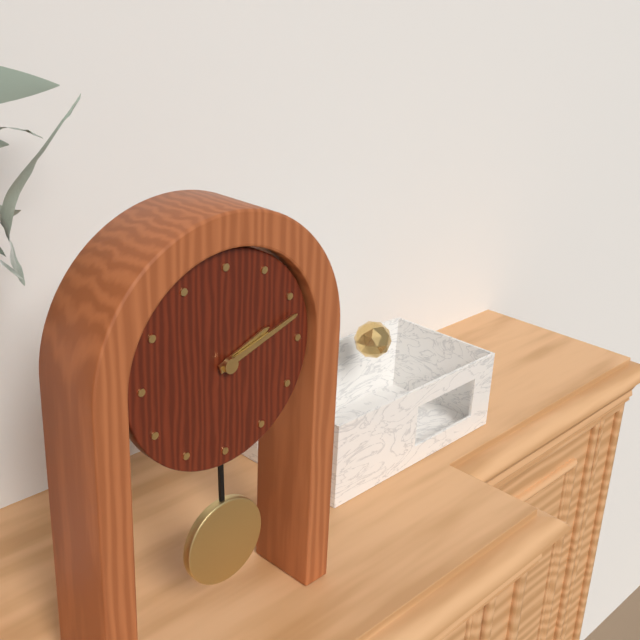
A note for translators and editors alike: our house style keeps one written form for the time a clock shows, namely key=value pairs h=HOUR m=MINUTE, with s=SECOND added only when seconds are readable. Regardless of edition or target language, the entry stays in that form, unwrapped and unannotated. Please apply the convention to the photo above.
h=2 m=12
